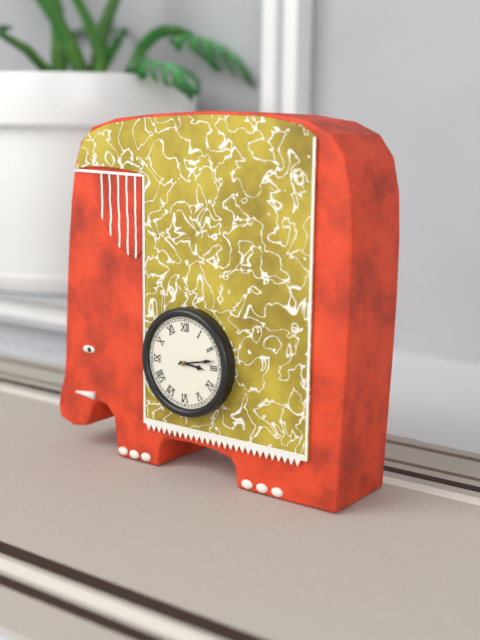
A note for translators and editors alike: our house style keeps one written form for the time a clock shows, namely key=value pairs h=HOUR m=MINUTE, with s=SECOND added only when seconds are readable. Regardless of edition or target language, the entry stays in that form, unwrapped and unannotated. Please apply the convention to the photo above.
h=3 m=13
